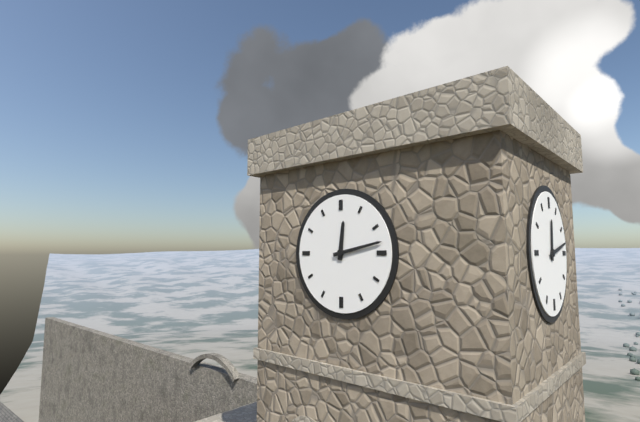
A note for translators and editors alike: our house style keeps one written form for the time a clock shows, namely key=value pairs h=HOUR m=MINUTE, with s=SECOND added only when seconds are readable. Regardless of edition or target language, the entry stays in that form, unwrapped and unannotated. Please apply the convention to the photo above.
h=12 m=13
